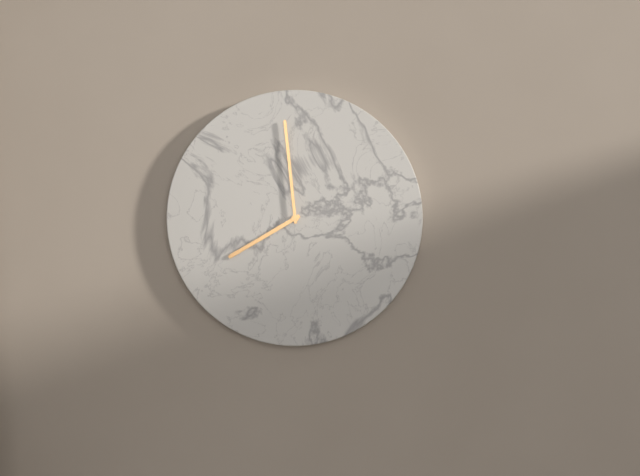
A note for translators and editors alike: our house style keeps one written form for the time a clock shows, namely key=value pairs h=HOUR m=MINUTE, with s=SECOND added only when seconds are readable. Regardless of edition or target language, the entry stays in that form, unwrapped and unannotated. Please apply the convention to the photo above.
h=7 m=59
